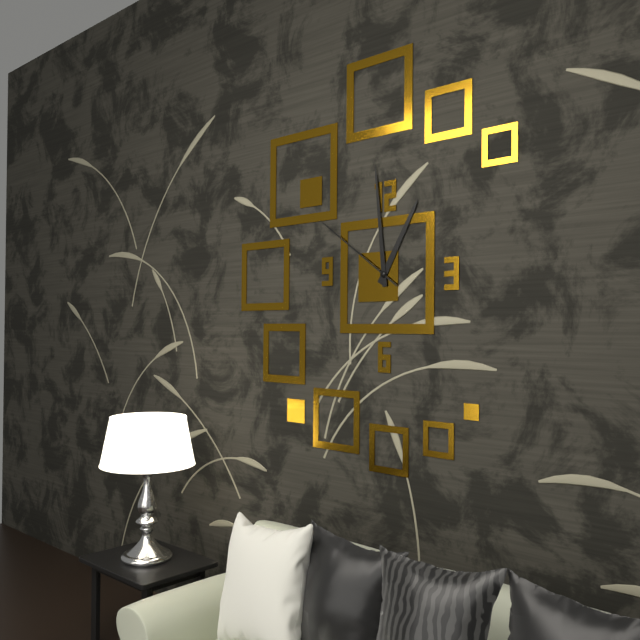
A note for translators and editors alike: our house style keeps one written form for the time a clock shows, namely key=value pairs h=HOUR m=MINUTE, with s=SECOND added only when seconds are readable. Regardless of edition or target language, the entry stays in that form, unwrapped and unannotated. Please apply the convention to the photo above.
h=12 m=59 s=51
